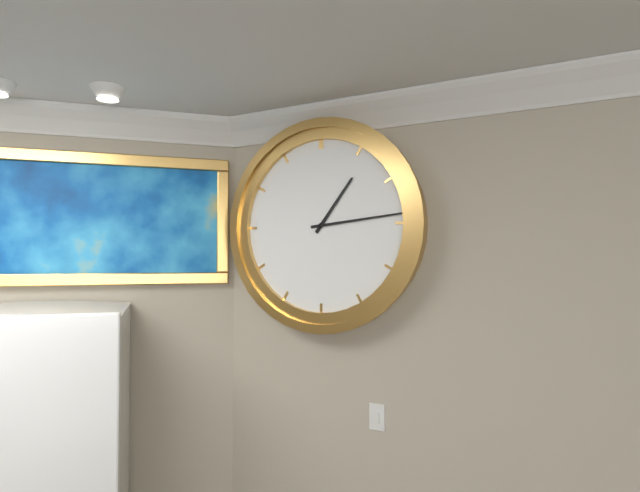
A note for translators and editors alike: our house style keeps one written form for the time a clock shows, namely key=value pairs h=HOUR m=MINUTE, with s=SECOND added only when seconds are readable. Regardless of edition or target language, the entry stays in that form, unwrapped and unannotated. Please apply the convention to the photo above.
h=1 m=14
